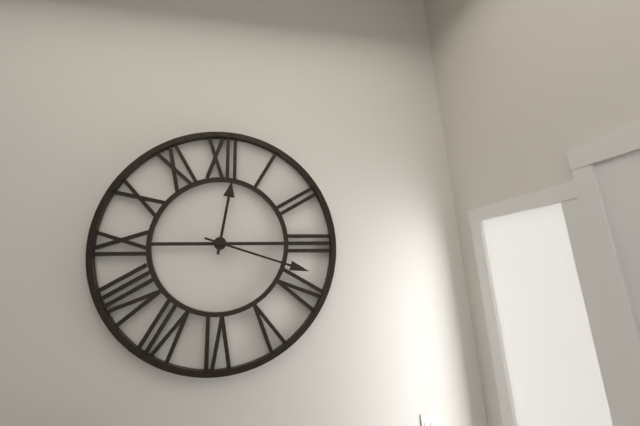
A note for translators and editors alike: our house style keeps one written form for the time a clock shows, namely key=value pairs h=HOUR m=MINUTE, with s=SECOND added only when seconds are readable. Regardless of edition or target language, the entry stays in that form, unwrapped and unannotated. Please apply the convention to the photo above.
h=12 m=18
